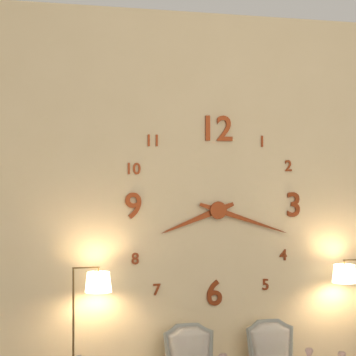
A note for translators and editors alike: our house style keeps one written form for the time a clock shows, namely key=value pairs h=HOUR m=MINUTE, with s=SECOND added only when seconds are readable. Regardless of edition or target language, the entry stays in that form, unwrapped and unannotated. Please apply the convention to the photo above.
h=8 m=18
